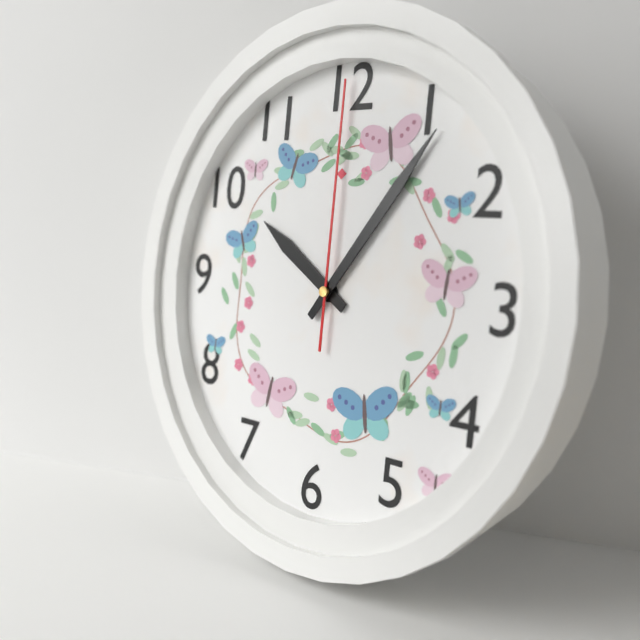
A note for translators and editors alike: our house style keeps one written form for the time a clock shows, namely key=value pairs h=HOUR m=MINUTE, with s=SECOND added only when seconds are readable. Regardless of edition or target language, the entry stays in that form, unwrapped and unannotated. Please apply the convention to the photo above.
h=10 m=6 s=0
